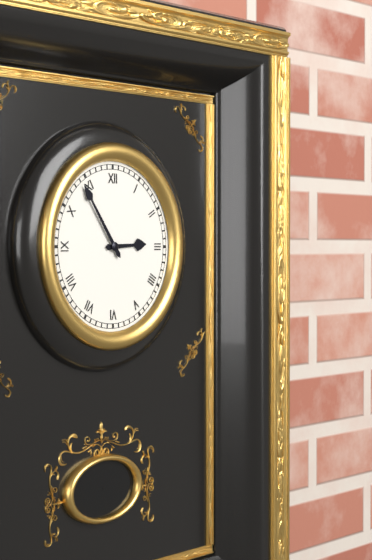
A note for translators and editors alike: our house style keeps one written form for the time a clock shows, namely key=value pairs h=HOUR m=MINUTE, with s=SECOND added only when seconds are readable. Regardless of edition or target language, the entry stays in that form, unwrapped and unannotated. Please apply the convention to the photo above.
h=2 m=54
